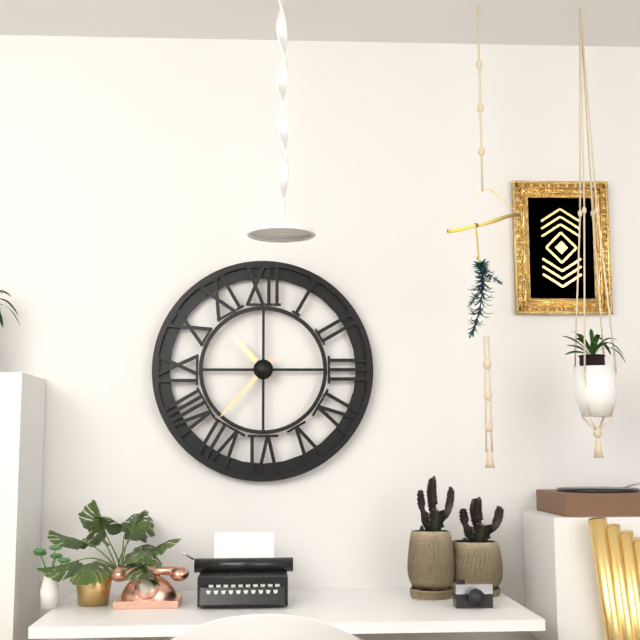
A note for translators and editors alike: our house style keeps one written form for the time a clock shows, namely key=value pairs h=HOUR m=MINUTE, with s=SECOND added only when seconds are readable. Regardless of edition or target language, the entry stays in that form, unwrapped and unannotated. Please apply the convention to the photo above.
h=10 m=37
